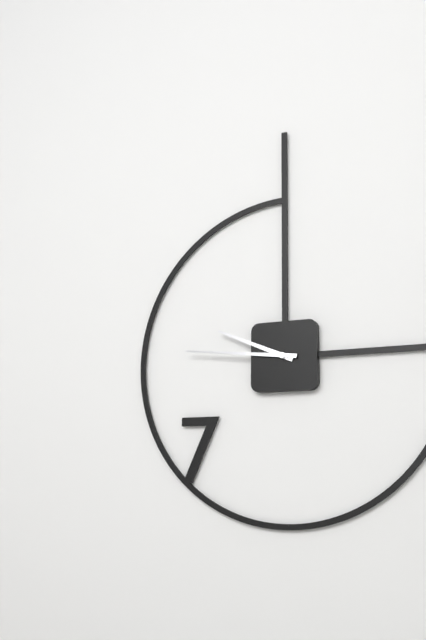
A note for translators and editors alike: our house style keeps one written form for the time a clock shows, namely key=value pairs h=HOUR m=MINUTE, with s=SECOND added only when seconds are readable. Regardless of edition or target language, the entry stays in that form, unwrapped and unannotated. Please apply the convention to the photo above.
h=9 m=46
